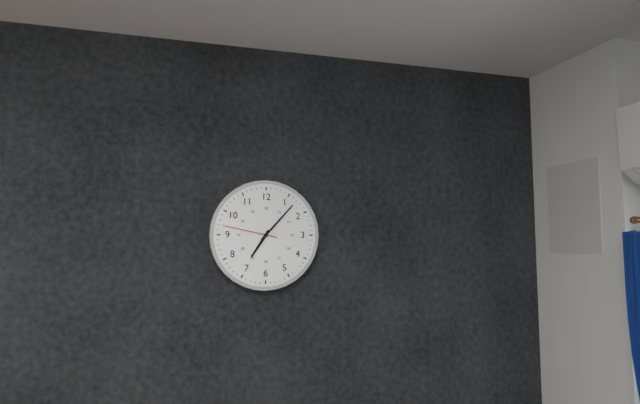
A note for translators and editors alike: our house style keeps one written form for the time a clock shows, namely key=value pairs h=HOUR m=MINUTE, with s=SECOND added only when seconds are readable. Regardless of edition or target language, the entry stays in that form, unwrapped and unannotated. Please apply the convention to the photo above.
h=7 m=7 s=47
